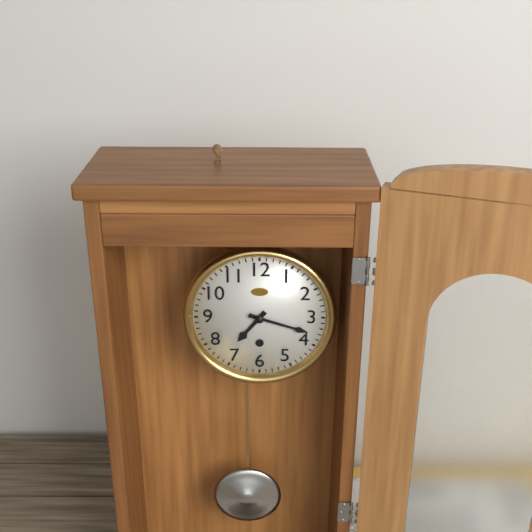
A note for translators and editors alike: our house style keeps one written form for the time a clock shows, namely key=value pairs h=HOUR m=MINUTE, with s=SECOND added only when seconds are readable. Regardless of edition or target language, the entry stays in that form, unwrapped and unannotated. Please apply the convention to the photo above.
h=7 m=18
